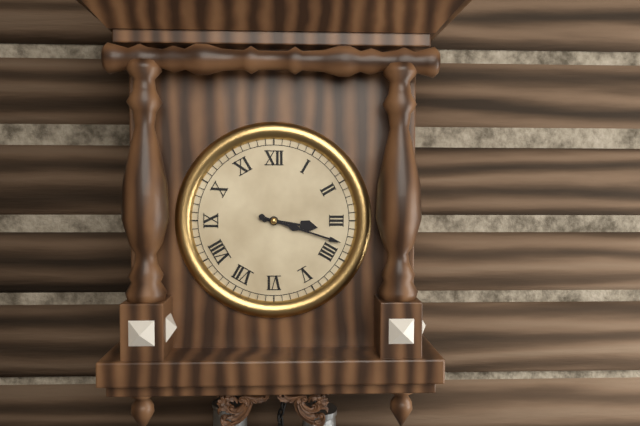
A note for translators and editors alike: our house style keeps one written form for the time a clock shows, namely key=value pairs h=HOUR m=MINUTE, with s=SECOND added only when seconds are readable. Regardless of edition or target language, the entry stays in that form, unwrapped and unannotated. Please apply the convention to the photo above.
h=3 m=18
